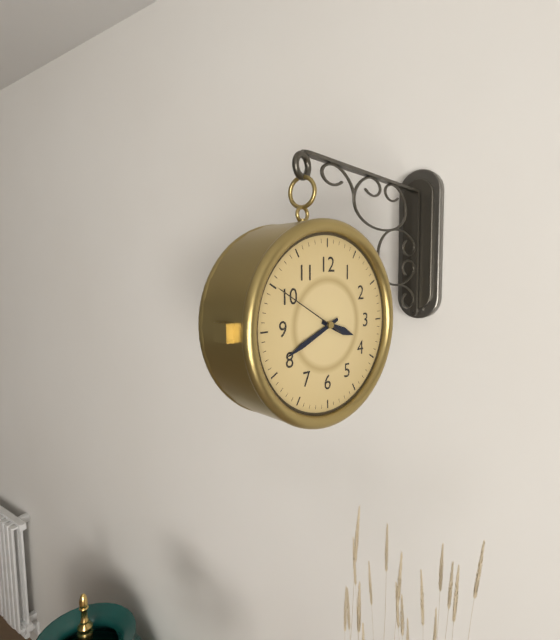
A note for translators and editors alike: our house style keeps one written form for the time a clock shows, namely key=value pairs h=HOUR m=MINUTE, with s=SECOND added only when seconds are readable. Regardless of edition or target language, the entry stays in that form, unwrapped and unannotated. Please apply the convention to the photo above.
h=3 m=41 s=50
